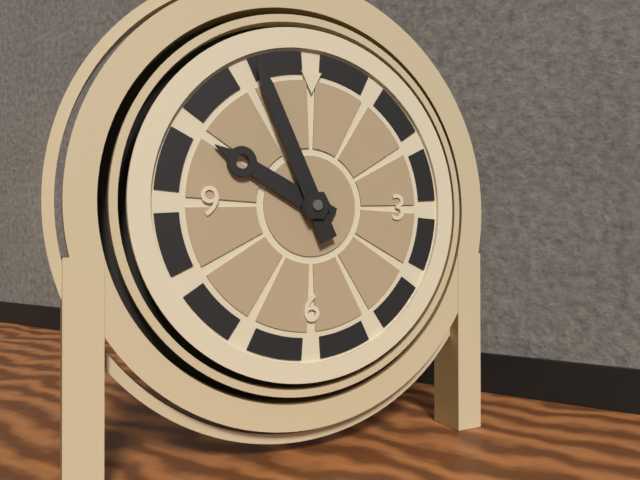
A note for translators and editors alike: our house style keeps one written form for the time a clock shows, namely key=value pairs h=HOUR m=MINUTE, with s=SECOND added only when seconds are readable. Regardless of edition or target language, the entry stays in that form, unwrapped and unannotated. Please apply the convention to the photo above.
h=9 m=56
